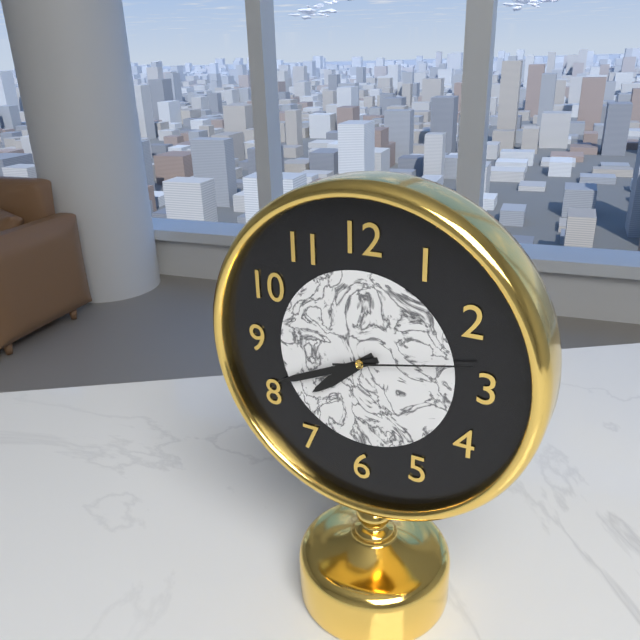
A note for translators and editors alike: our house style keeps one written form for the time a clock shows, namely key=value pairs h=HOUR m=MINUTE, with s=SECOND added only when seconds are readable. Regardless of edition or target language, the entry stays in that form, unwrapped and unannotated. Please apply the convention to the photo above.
h=7 m=41 s=13
